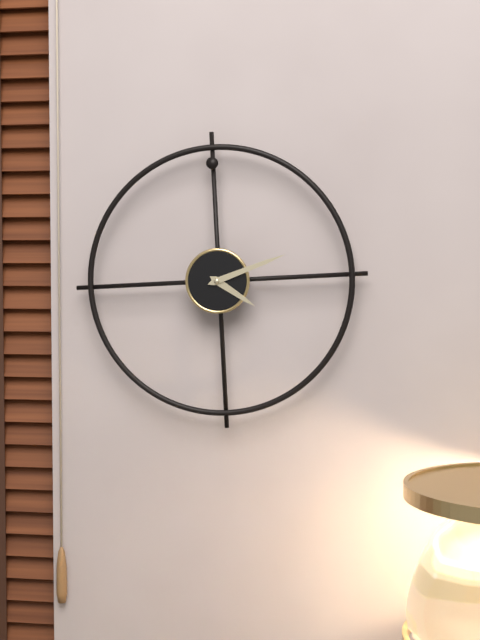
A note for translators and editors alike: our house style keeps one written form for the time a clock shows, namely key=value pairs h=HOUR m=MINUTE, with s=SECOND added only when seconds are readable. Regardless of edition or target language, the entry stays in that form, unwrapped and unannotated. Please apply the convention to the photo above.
h=4 m=12
